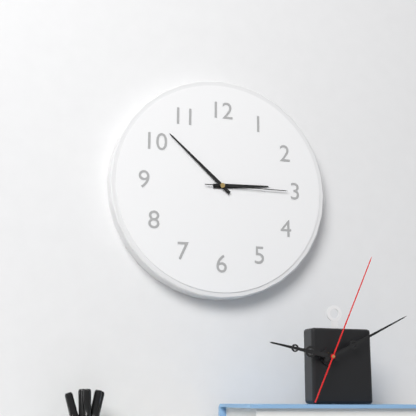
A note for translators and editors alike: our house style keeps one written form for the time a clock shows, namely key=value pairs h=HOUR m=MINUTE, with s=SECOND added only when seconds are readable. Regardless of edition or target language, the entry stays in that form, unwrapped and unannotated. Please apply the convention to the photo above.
h=2 m=52 s=15
